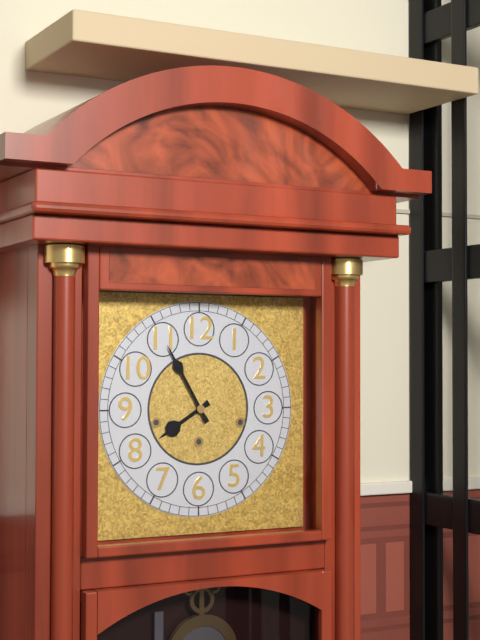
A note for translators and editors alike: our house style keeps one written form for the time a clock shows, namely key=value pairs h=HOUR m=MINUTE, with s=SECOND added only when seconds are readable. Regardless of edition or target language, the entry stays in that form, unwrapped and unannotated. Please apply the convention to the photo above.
h=7 m=55
